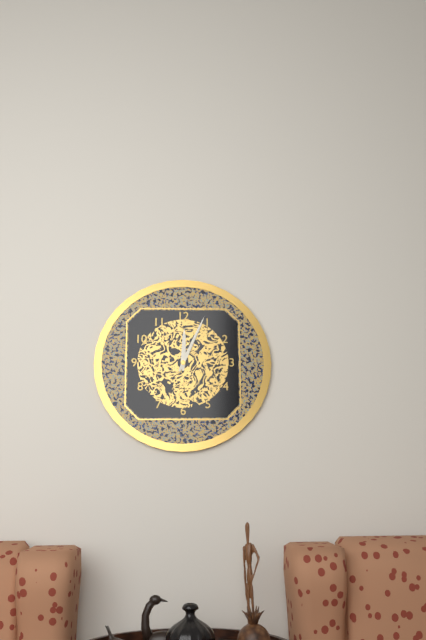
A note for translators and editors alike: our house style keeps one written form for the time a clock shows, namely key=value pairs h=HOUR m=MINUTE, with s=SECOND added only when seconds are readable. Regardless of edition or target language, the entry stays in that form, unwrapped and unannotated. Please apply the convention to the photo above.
h=12 m=4
